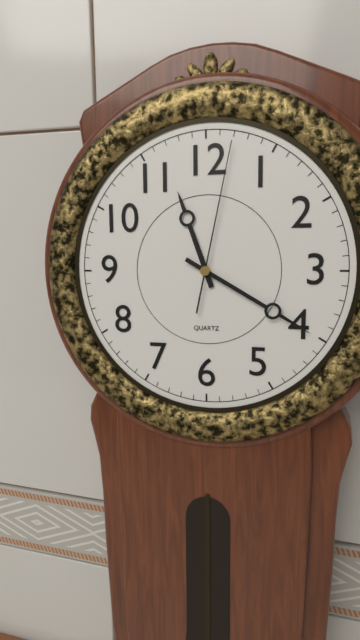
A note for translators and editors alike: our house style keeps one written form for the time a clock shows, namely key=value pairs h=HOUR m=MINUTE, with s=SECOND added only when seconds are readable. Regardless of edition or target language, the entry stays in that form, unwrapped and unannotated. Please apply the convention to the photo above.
h=11 m=20 s=2
